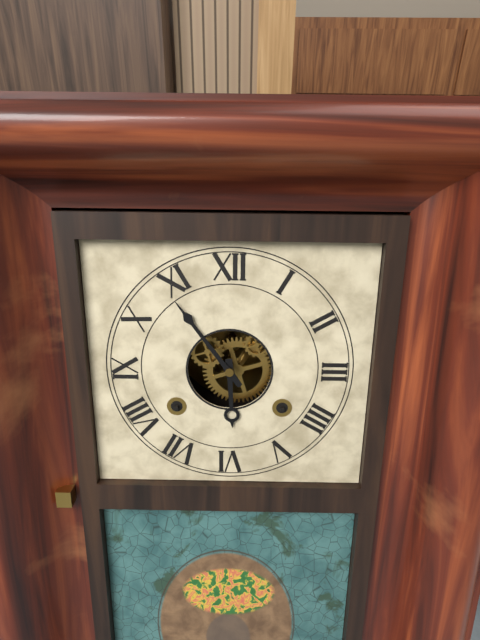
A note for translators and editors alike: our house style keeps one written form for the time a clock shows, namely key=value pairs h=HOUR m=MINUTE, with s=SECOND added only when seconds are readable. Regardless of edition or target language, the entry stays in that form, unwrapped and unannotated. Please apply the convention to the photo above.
h=5 m=54
